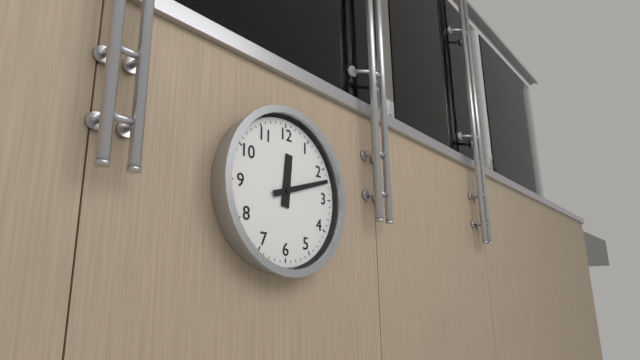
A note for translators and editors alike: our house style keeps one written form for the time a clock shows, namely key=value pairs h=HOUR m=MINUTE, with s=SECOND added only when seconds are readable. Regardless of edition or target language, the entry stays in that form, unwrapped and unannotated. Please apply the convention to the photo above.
h=12 m=12
